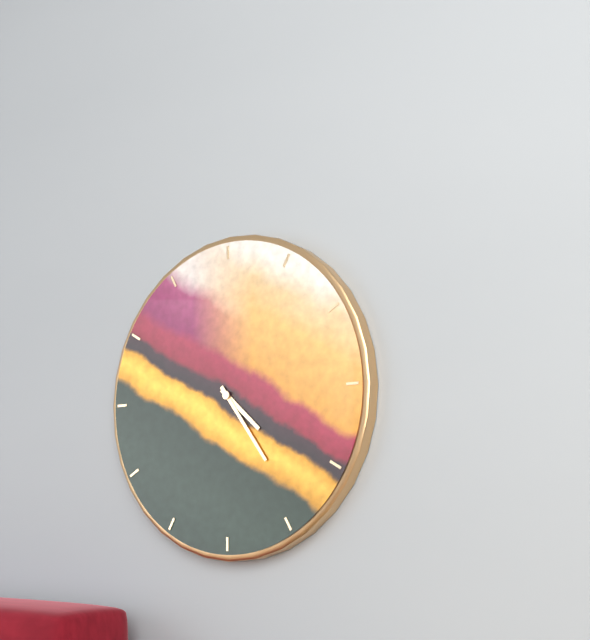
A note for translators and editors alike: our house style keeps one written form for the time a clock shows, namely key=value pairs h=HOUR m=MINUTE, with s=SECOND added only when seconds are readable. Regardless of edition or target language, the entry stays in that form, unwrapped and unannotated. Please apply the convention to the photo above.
h=4 m=24
